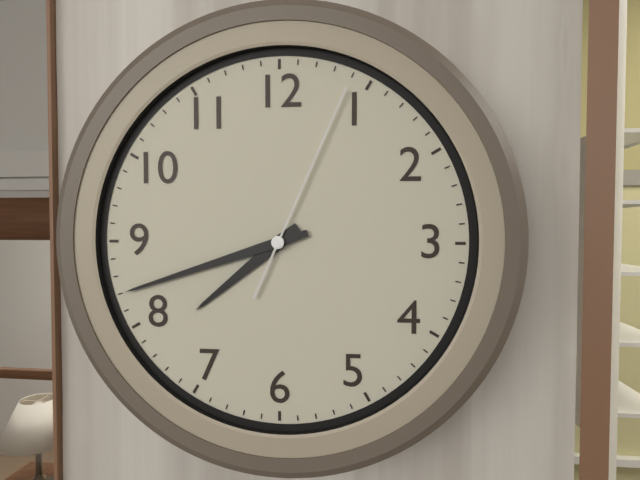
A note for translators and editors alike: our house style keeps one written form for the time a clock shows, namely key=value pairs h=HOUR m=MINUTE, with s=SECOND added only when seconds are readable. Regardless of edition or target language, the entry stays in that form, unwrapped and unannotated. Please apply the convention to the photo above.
h=7 m=42 s=4
